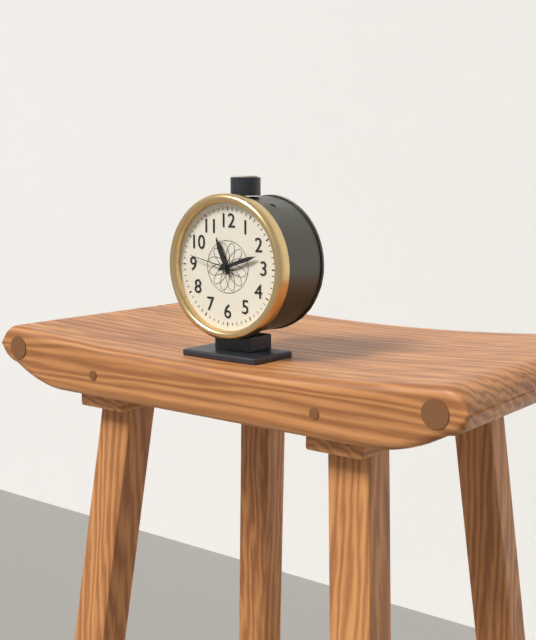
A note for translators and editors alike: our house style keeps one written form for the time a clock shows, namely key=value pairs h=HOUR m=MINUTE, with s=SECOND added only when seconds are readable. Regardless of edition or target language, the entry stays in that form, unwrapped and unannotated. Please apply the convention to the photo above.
h=11 m=12
